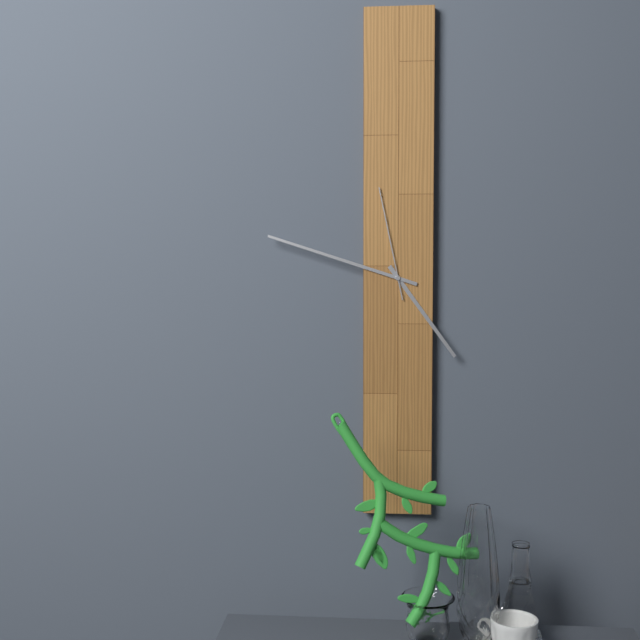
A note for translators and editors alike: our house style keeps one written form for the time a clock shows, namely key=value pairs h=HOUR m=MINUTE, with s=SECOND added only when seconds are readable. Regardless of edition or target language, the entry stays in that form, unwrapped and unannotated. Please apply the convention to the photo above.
h=4 m=48 s=58
